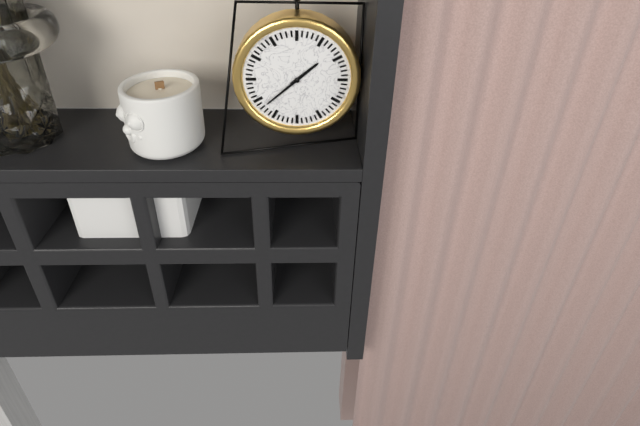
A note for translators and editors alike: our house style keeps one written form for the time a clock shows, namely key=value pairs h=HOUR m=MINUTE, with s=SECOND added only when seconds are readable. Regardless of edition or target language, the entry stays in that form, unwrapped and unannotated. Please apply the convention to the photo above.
h=1 m=38
